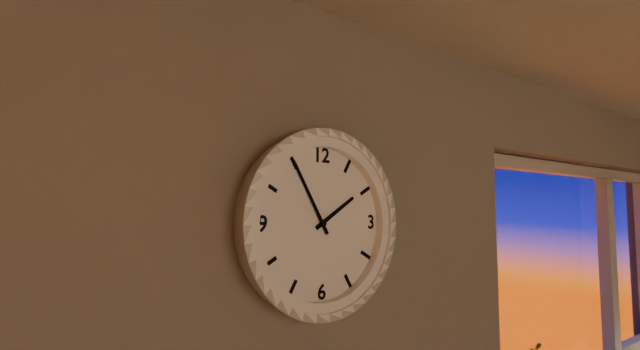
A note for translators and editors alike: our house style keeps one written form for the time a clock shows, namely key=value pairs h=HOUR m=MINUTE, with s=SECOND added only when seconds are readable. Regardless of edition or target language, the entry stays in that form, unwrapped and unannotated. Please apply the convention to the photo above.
h=1 m=55
